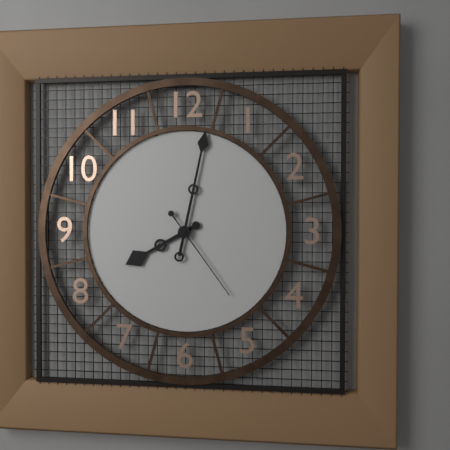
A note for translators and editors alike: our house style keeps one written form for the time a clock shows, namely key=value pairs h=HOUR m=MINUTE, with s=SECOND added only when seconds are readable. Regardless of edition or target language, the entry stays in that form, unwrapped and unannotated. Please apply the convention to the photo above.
h=8 m=2 s=24
